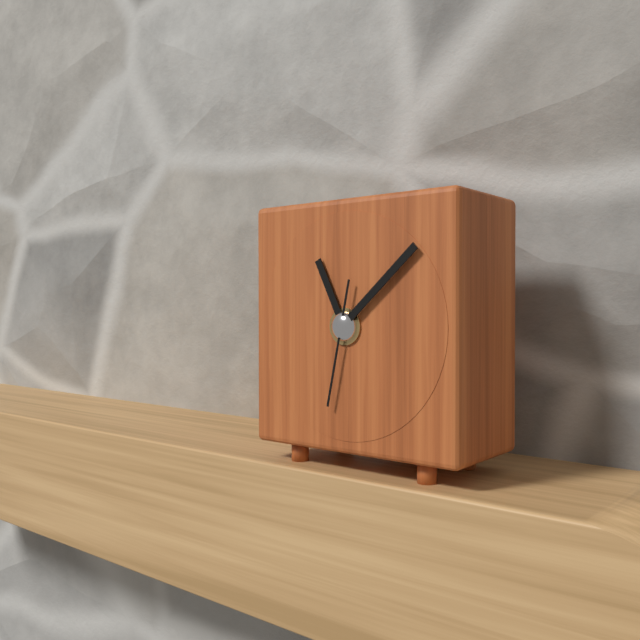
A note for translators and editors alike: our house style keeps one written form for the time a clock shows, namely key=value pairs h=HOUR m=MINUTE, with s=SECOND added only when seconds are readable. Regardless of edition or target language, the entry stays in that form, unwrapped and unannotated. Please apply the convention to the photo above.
h=11 m=8 s=32
